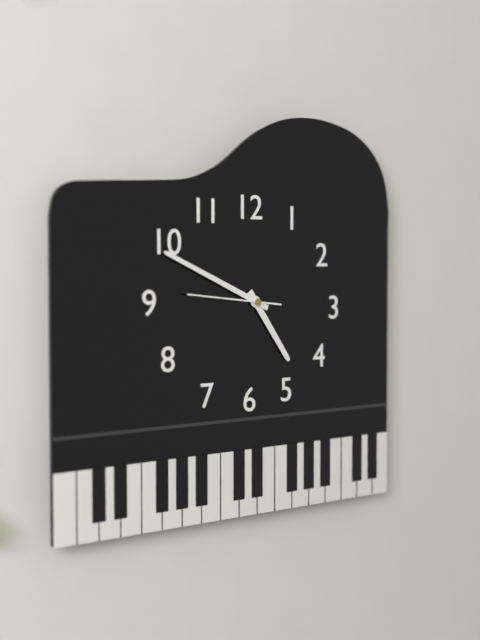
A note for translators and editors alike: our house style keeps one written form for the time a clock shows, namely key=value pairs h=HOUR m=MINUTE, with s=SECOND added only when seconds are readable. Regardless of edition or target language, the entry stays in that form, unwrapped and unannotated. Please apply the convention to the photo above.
h=4 m=49 s=46
